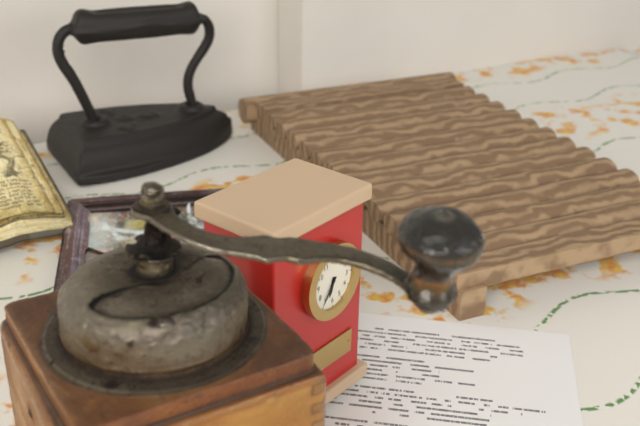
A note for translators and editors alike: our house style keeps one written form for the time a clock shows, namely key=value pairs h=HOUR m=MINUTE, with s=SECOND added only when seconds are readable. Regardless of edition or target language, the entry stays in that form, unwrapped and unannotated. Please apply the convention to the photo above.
h=6 m=36
